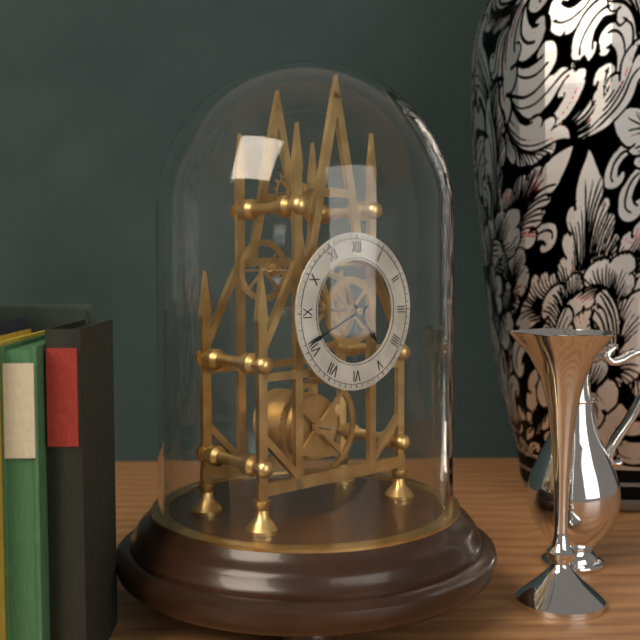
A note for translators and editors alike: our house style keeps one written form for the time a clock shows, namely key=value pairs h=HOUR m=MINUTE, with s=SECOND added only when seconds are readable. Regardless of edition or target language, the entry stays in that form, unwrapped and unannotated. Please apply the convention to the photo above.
h=4 m=41
